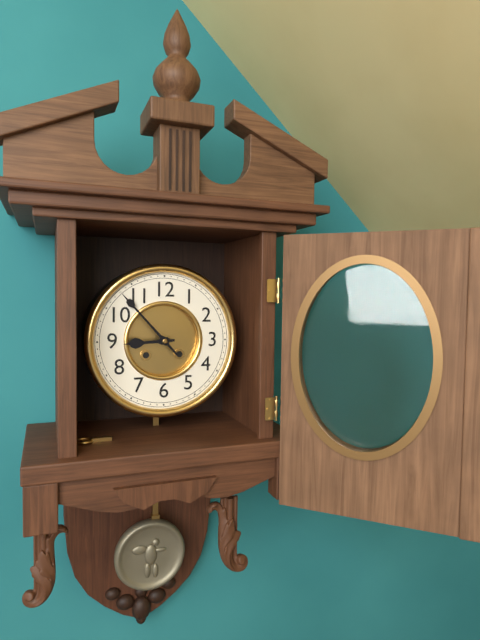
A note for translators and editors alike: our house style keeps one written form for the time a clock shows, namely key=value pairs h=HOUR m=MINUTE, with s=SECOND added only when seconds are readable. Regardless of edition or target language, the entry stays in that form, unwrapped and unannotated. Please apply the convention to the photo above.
h=8 m=53
